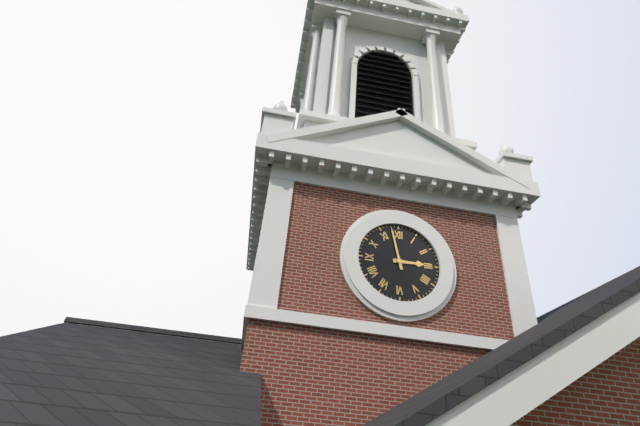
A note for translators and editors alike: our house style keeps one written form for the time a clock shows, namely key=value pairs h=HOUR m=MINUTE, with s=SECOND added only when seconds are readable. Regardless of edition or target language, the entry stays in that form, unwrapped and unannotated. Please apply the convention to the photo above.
h=2 m=58
